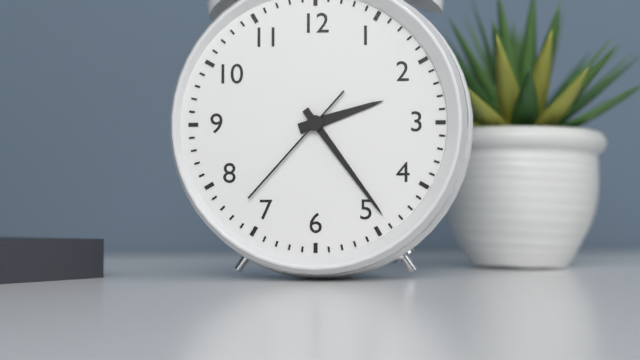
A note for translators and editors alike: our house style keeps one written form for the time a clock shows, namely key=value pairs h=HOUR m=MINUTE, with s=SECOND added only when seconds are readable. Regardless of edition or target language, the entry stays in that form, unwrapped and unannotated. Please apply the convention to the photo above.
h=2 m=24 s=37
